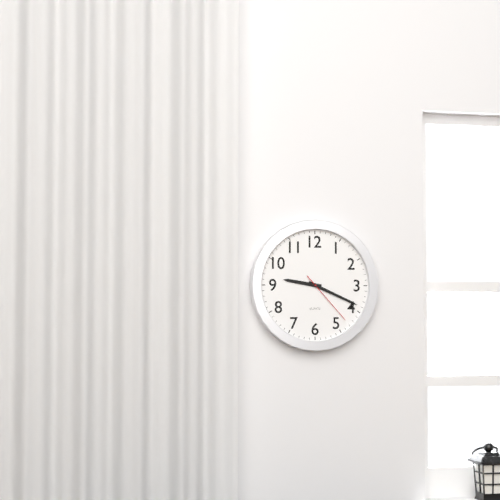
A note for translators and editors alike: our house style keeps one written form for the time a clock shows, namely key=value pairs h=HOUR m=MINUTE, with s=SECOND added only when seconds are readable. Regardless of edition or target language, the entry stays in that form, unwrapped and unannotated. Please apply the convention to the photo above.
h=9 m=19 s=23
